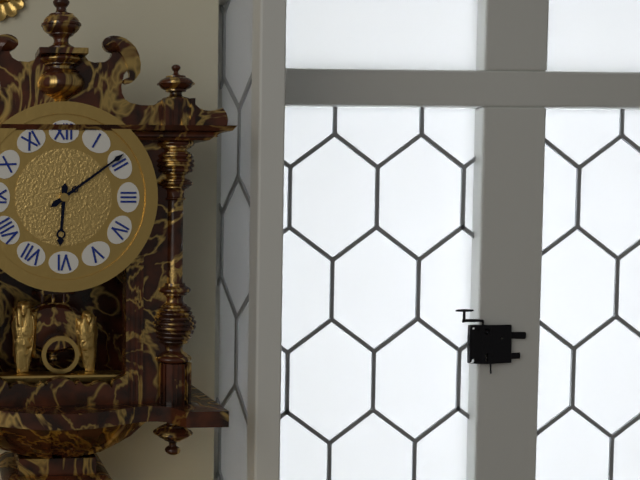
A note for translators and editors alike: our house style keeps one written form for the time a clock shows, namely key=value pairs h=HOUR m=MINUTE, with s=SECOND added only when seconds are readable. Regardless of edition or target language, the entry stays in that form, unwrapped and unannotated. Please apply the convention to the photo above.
h=6 m=9
